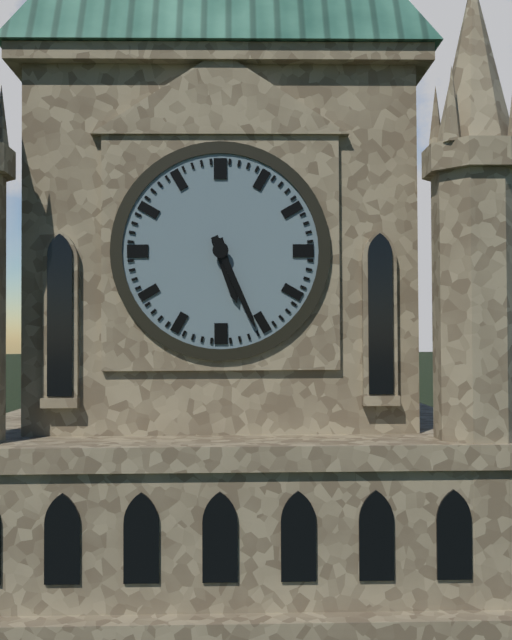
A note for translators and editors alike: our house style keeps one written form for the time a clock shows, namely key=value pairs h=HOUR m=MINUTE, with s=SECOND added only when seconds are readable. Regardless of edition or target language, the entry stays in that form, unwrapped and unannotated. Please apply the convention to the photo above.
h=5 m=26
